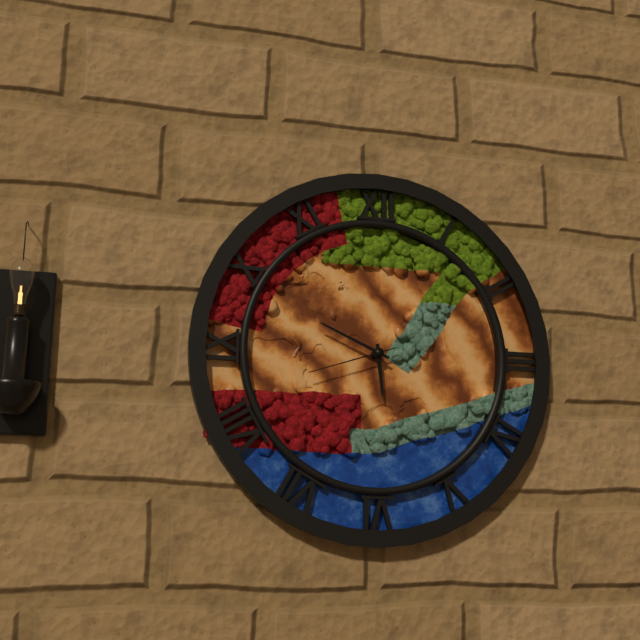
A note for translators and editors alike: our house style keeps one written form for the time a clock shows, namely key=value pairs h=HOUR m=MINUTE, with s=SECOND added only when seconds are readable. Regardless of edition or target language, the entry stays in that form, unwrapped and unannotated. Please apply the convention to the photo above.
h=5 m=49 s=42
